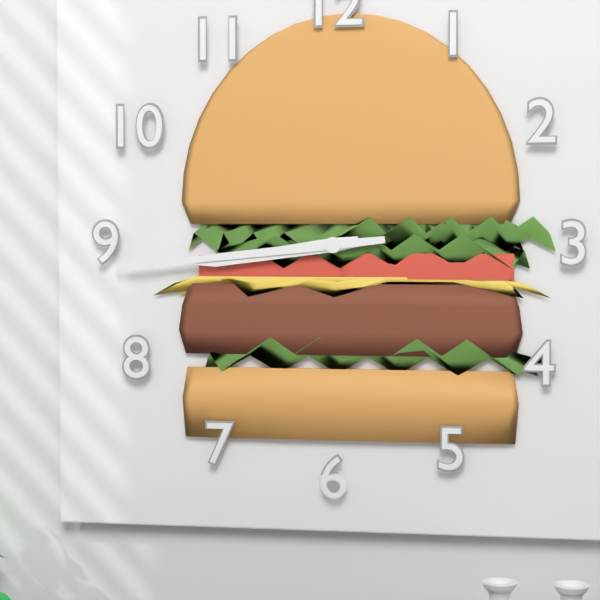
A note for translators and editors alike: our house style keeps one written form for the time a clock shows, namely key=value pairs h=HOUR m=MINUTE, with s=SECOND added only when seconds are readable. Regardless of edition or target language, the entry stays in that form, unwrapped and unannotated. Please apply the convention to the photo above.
h=8 m=44
